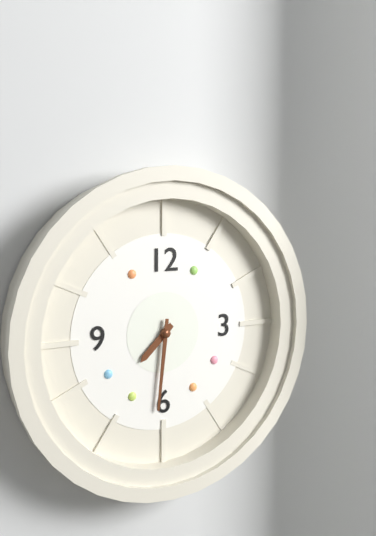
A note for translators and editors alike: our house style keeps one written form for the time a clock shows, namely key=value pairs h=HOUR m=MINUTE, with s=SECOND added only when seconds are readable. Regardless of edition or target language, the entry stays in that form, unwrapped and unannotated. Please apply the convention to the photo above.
h=7 m=31
